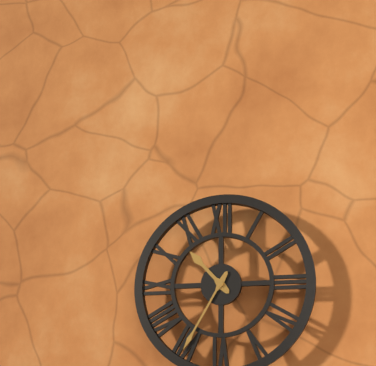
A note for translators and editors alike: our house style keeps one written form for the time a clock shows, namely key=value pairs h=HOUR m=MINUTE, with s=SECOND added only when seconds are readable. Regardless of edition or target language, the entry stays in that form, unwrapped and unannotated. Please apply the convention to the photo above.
h=10 m=35
